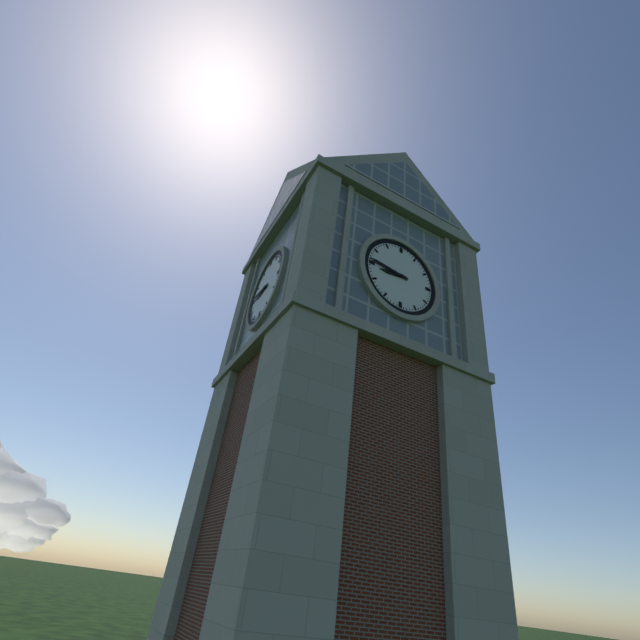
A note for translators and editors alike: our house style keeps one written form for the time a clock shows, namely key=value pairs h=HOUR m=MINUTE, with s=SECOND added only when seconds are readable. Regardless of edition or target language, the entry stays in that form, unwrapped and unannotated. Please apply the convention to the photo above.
h=8 m=46
